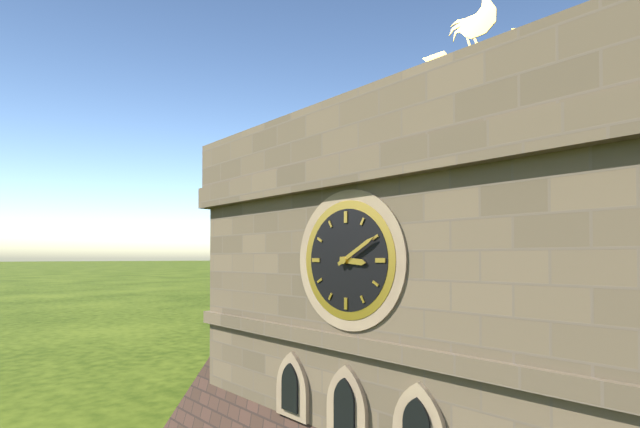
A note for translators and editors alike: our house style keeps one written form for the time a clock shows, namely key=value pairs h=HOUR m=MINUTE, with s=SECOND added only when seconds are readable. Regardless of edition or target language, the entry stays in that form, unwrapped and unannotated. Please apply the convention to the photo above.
h=3 m=10
